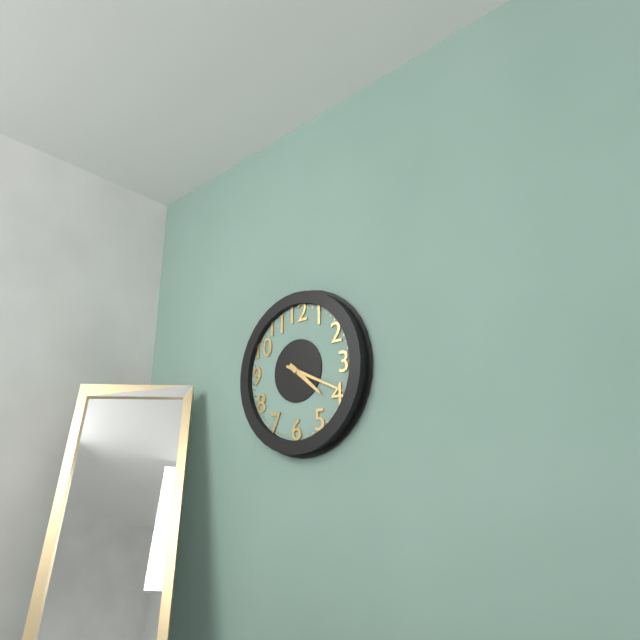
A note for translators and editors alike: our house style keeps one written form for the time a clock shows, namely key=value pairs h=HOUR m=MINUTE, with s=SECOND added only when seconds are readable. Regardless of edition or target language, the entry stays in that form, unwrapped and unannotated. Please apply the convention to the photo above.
h=4 m=19
